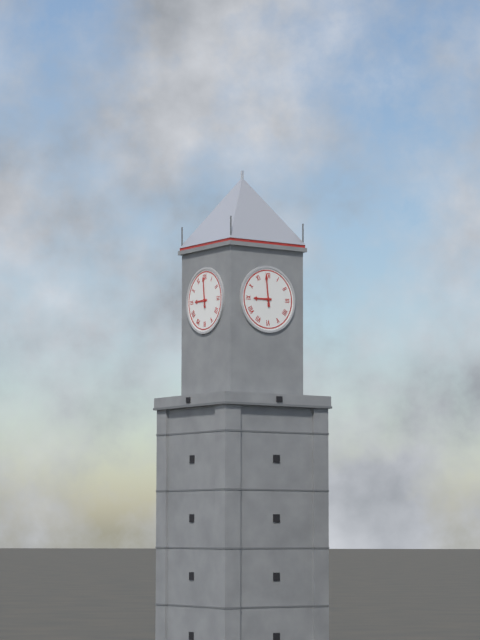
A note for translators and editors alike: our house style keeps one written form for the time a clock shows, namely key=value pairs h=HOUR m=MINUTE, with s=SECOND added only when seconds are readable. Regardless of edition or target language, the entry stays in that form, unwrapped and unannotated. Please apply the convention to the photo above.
h=8 m=59
